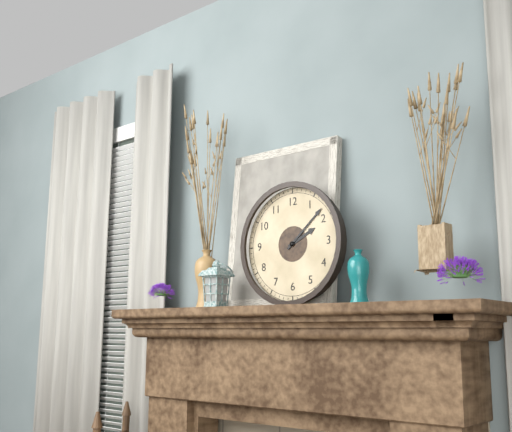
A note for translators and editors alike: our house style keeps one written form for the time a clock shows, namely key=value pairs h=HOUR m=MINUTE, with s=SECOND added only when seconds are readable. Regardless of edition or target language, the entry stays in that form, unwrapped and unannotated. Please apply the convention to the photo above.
h=2 m=8
